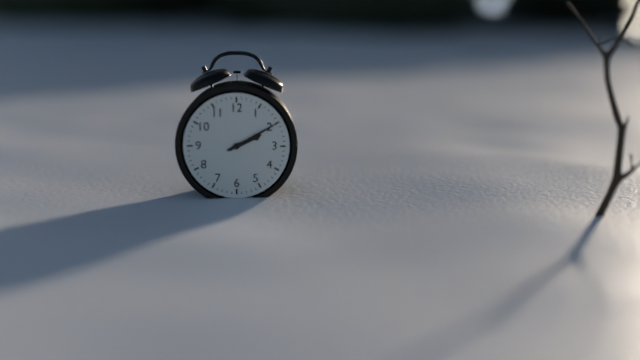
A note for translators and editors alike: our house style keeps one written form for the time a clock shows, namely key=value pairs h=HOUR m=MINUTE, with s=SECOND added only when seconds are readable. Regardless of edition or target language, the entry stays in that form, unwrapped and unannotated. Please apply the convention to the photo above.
h=2 m=10
